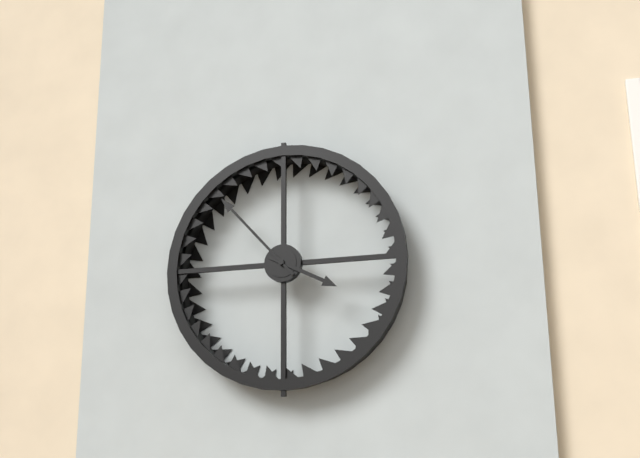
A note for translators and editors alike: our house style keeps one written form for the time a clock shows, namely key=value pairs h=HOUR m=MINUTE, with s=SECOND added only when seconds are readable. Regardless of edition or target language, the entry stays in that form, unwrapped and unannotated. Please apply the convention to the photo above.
h=3 m=53
